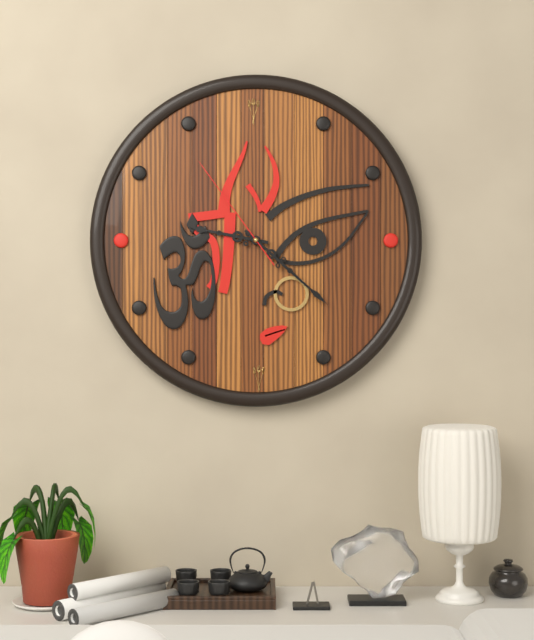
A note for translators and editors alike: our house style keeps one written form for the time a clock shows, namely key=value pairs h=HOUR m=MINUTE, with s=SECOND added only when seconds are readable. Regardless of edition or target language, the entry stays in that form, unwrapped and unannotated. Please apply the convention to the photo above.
h=9 m=22 s=54
